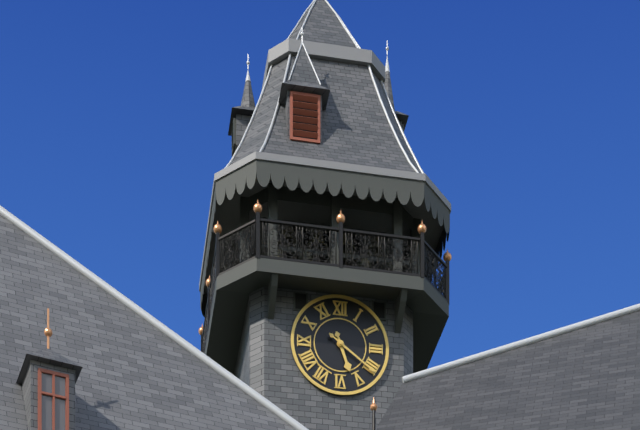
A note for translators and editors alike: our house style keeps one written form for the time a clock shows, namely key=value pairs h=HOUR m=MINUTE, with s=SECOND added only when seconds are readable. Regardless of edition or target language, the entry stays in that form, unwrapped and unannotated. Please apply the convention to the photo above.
h=5 m=21
